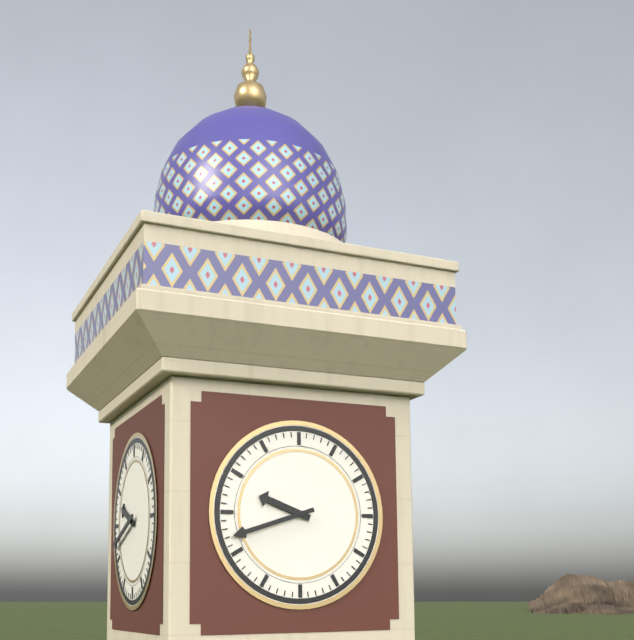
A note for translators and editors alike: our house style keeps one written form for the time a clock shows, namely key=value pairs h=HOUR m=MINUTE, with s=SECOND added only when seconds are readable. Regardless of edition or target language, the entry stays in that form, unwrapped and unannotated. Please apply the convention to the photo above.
h=9 m=42
